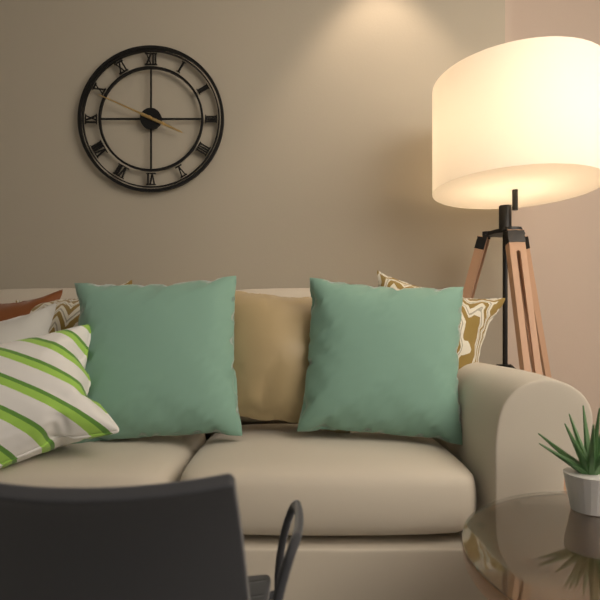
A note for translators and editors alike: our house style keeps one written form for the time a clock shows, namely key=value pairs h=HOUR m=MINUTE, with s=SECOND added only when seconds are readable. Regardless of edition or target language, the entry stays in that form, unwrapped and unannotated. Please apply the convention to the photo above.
h=3 m=49
